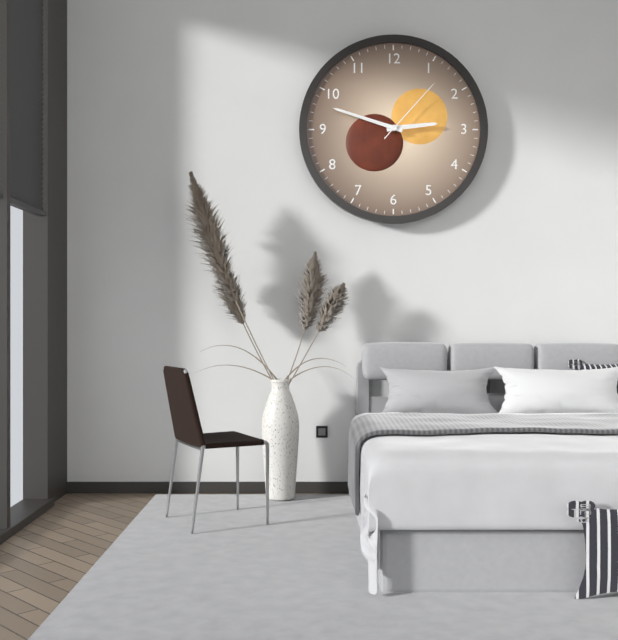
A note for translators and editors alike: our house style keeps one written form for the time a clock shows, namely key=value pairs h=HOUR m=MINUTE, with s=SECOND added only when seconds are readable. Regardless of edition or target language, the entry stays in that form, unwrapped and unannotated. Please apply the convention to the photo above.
h=2 m=48 s=7
